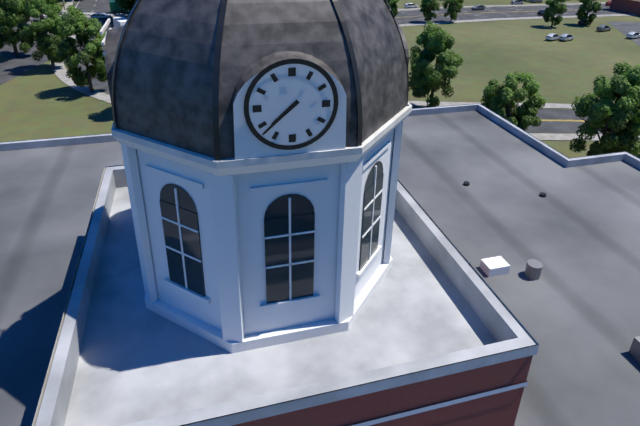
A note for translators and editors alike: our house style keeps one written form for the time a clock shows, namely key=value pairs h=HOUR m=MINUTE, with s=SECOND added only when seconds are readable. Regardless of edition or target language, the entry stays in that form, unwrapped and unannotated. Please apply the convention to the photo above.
h=7 m=38
